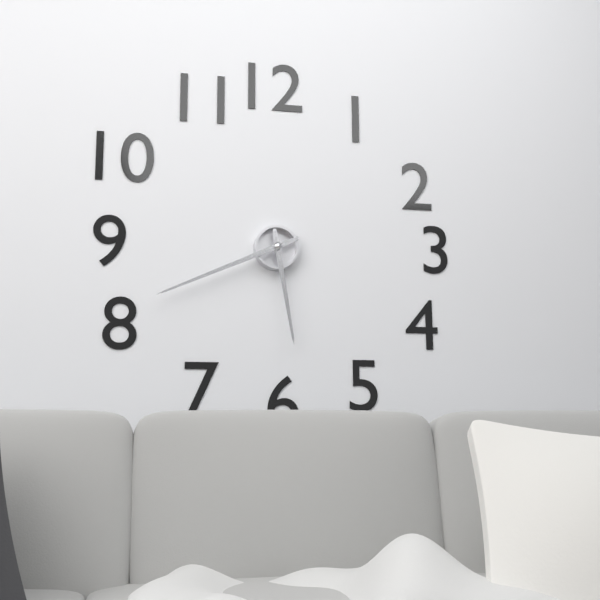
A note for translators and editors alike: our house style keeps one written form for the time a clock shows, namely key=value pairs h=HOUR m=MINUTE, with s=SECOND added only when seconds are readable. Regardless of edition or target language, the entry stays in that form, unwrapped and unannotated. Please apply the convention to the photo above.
h=5 m=41
